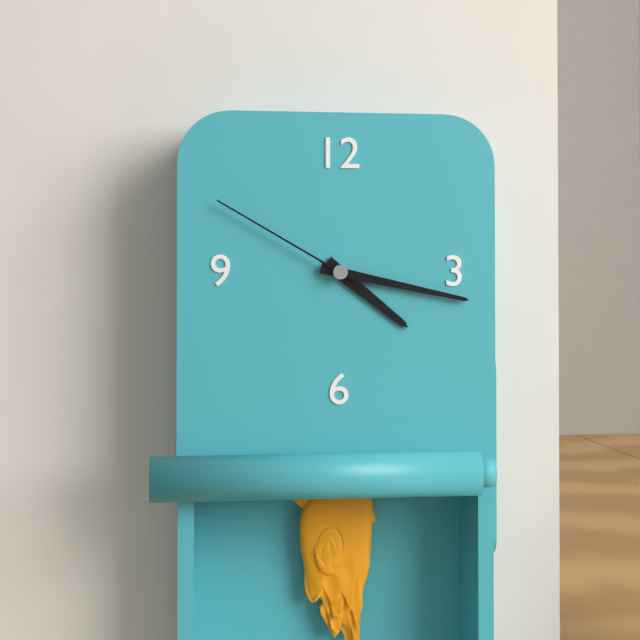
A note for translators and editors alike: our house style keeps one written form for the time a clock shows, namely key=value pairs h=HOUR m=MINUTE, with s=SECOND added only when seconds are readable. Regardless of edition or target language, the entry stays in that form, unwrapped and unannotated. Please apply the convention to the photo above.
h=4 m=17 s=50
